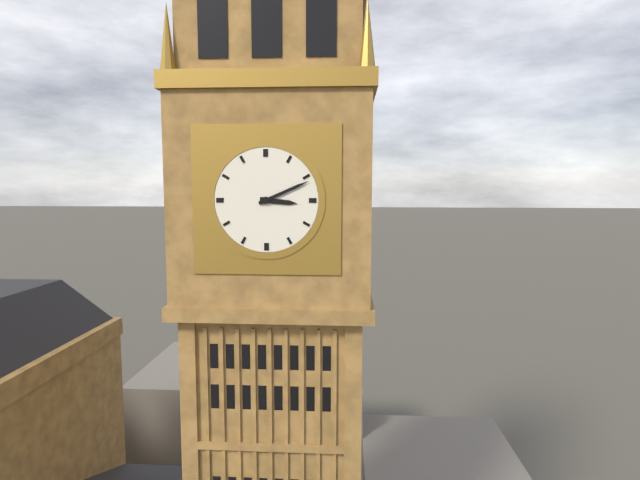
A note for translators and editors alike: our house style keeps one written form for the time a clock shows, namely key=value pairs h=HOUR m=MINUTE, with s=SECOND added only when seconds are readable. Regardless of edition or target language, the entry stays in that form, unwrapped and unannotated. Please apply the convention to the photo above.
h=3 m=11
